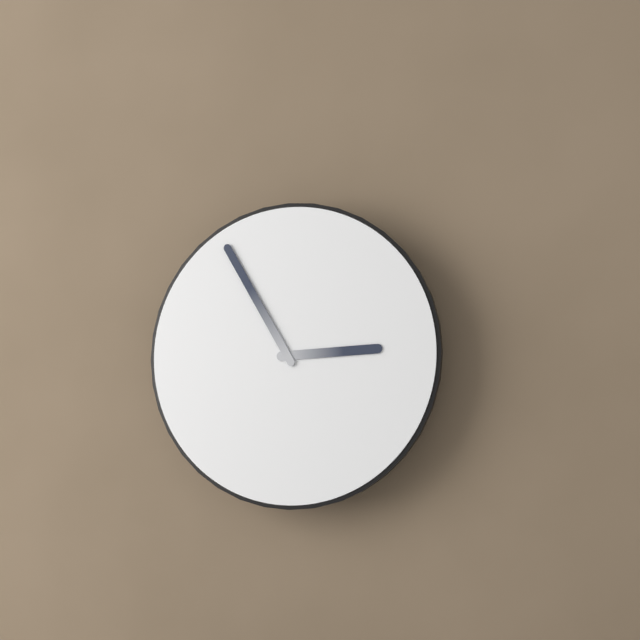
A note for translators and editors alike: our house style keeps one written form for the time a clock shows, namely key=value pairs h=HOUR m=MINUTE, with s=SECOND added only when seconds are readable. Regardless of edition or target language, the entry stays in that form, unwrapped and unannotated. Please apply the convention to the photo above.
h=2 m=55
